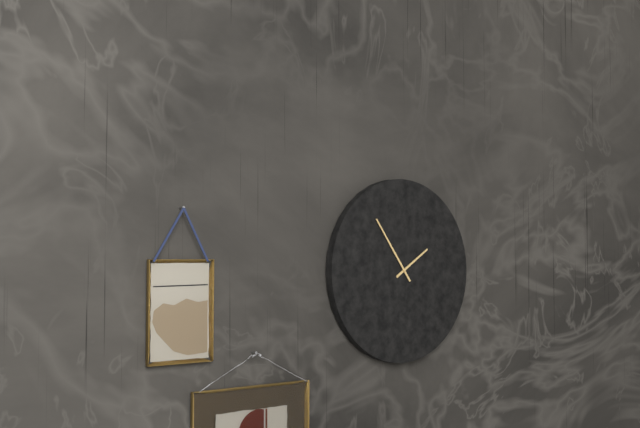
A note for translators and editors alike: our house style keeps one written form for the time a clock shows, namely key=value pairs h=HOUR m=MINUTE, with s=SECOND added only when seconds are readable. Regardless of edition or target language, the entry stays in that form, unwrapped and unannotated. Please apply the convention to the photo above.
h=1 m=54
